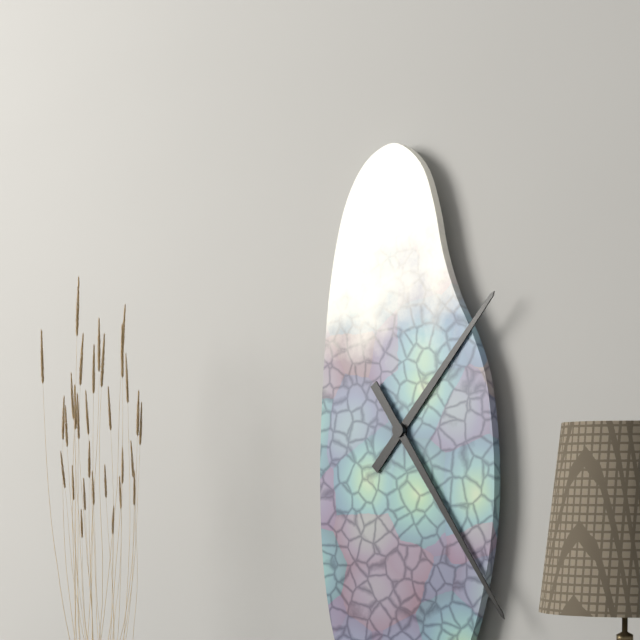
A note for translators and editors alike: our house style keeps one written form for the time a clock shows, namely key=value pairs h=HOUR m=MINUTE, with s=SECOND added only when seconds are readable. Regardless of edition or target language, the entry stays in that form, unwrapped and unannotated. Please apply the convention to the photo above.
h=1 m=24
